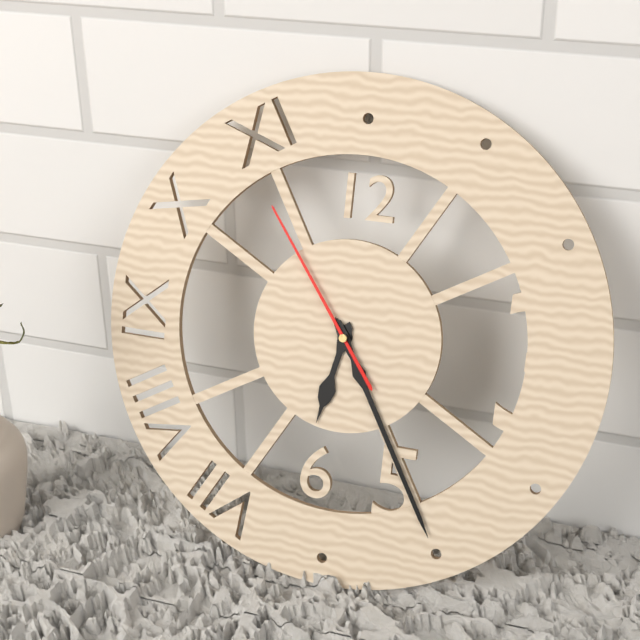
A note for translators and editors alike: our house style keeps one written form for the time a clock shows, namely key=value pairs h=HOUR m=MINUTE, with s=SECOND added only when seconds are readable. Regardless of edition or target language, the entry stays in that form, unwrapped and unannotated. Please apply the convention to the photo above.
h=6 m=25 s=54
